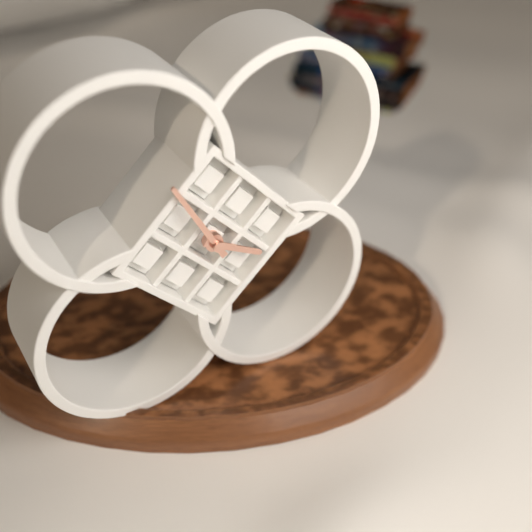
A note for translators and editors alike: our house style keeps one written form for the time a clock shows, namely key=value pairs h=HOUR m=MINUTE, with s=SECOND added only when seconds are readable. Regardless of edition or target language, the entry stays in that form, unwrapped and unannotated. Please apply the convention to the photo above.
h=3 m=55
